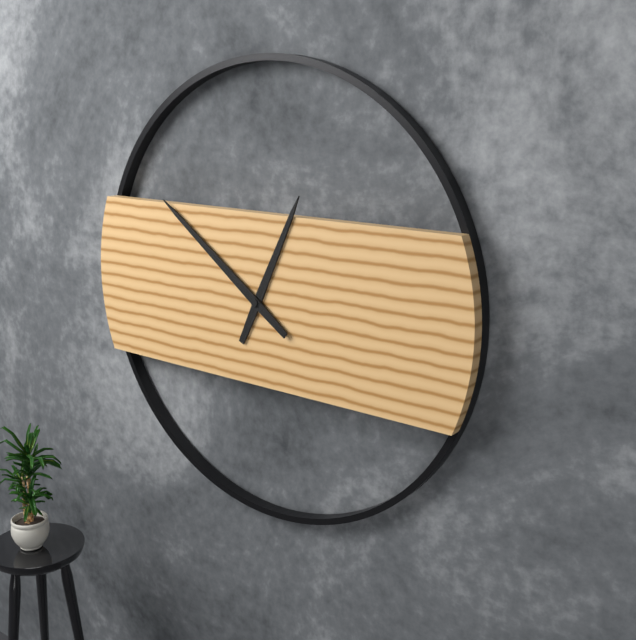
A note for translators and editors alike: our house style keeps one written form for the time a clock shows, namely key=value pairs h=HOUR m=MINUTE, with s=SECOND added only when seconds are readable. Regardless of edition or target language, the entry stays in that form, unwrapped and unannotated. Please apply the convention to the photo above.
h=12 m=51
